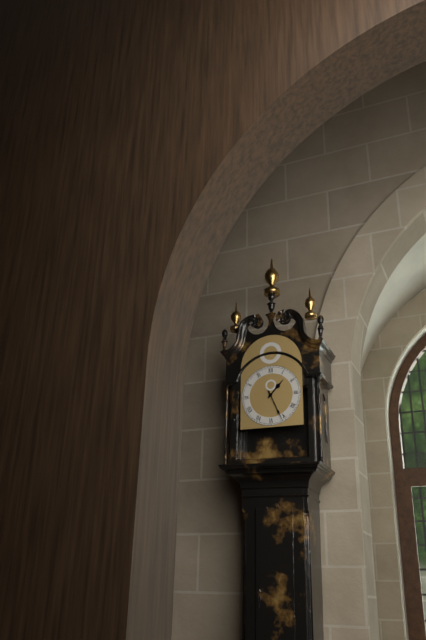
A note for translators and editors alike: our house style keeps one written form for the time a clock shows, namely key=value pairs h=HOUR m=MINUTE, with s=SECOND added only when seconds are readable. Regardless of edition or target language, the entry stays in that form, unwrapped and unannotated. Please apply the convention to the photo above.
h=1 m=26
